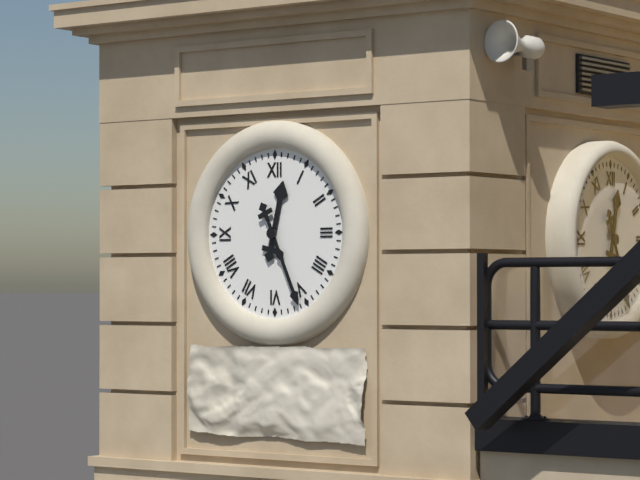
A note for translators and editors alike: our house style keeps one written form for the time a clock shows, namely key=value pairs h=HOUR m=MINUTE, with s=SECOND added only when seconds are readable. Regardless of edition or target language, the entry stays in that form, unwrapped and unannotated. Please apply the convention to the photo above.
h=12 m=26
